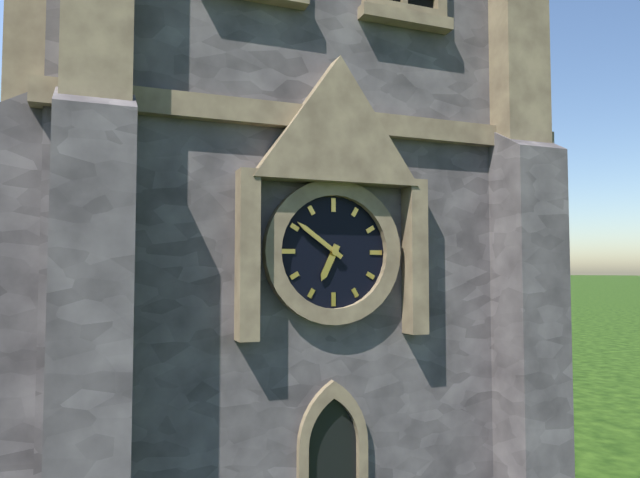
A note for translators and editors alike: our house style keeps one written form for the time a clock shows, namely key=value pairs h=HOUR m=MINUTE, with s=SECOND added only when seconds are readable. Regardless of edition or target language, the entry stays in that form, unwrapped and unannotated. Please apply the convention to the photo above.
h=6 m=51
